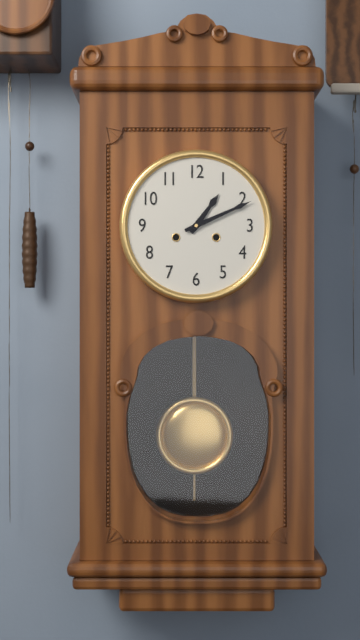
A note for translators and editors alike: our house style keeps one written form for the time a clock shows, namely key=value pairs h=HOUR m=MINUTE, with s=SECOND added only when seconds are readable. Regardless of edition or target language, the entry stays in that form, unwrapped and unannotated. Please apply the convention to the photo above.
h=1 m=11
